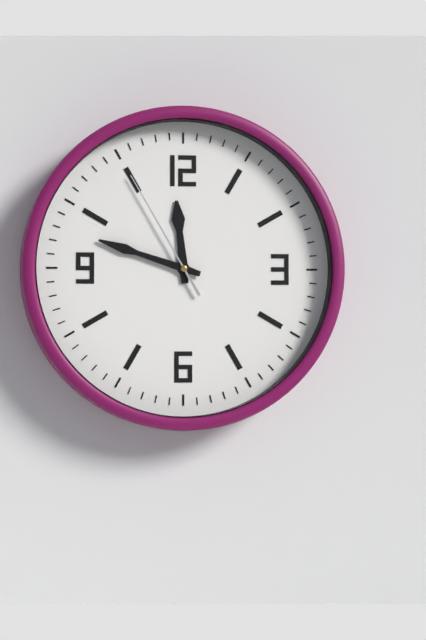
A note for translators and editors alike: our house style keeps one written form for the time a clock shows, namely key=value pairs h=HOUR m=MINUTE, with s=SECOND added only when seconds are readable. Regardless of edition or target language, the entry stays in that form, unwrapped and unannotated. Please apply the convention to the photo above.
h=11 m=48 s=55
